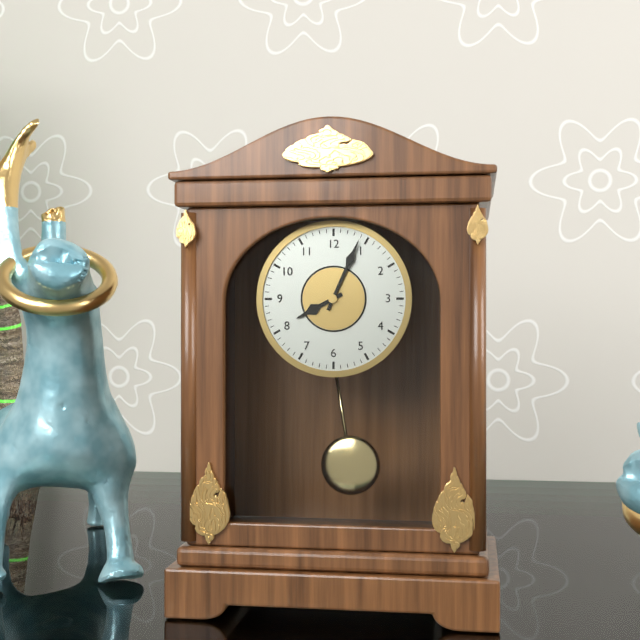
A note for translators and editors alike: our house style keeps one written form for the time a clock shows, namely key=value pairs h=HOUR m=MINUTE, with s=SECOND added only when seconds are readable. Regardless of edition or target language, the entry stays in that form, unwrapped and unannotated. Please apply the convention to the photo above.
h=8 m=4
